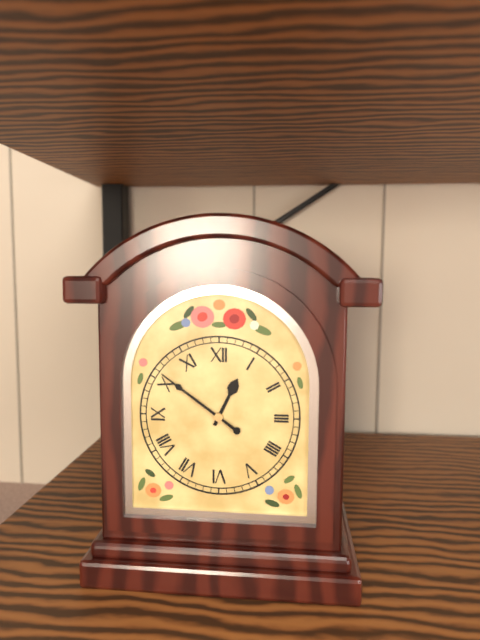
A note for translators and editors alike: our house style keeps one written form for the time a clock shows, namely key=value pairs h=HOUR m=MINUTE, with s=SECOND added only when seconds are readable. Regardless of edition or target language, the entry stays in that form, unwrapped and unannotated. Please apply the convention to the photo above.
h=12 m=51
